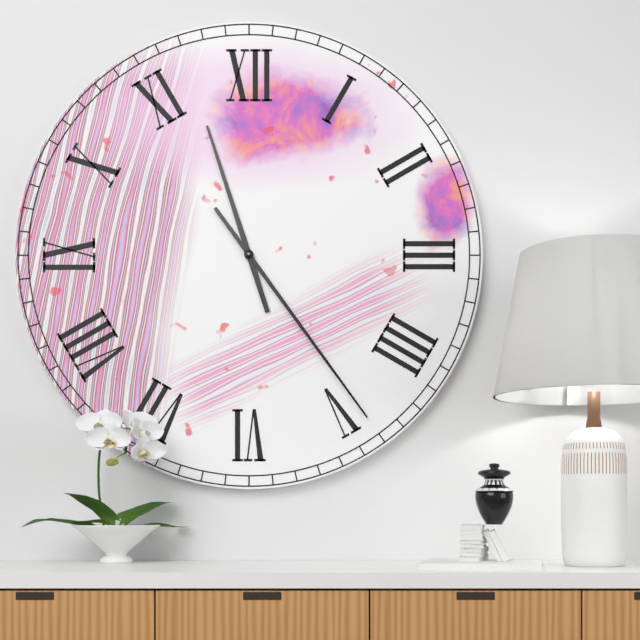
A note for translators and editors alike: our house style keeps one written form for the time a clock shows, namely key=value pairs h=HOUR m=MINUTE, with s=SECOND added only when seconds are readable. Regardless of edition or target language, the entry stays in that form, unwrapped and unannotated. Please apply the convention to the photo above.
h=11 m=24
